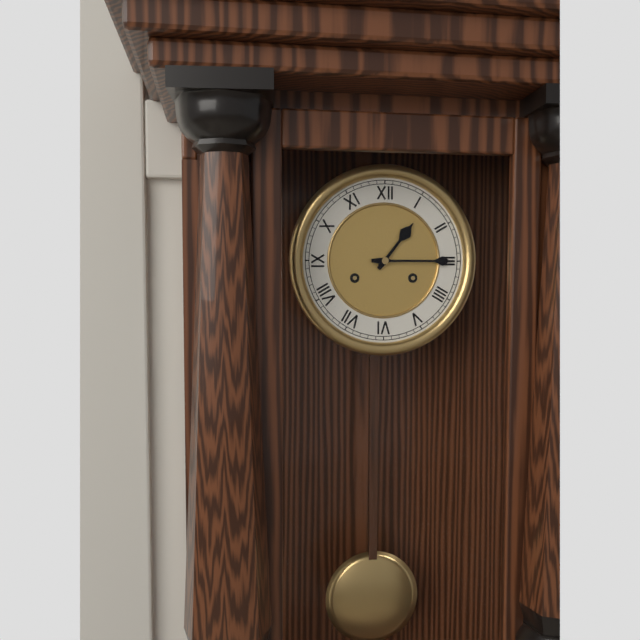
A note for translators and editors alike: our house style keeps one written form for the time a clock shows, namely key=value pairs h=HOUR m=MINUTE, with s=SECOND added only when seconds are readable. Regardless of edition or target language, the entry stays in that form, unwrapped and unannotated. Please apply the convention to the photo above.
h=1 m=15
